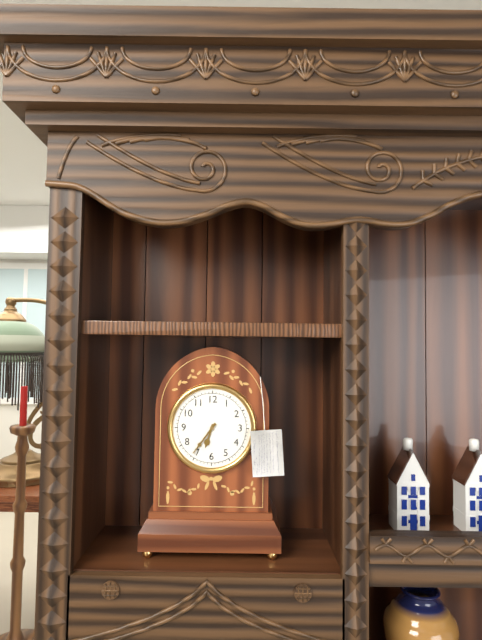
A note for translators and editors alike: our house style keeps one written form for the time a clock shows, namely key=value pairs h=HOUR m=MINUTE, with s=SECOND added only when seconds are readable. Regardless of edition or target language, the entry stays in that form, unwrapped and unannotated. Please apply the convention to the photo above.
h=6 m=36
